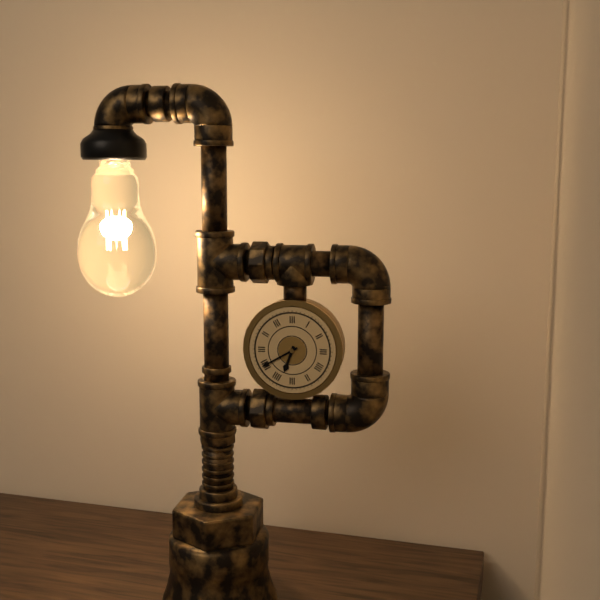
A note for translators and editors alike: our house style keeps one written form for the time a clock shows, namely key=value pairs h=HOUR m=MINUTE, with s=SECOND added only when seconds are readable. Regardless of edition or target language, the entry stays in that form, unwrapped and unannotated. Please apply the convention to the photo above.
h=6 m=40
